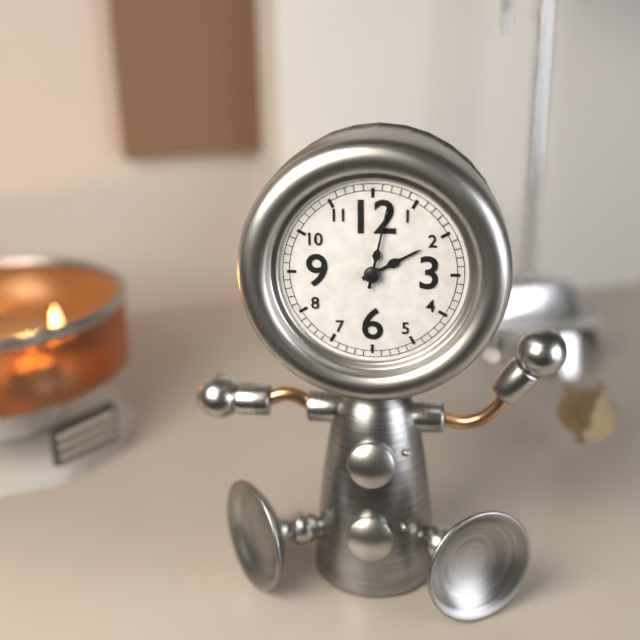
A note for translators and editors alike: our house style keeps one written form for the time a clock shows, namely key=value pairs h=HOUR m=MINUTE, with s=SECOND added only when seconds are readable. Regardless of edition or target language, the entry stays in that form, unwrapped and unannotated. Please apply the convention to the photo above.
h=2 m=2
